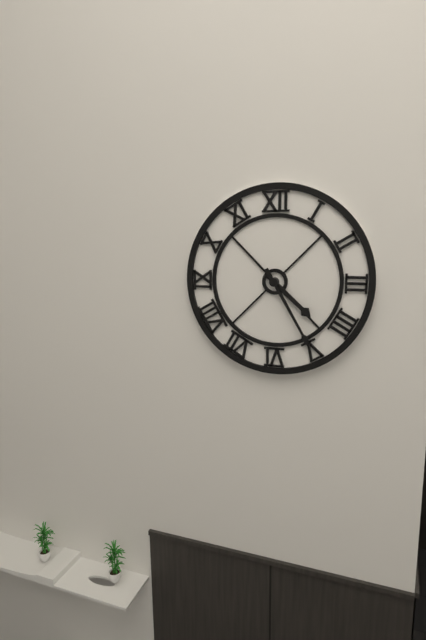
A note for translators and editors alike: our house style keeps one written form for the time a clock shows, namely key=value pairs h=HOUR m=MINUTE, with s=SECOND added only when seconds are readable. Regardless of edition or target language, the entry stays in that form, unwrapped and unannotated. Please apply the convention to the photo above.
h=4 m=25
